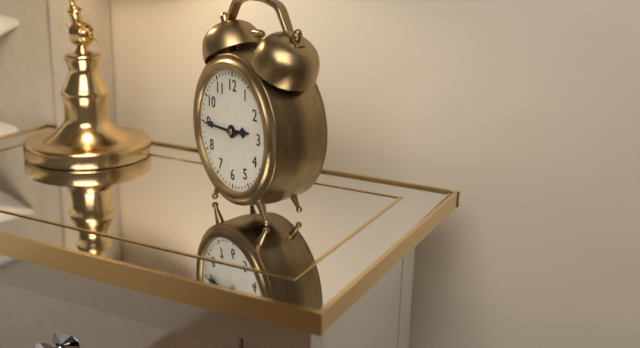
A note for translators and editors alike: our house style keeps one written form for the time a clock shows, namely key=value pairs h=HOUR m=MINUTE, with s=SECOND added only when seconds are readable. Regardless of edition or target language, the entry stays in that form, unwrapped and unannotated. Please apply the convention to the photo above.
h=2 m=45
